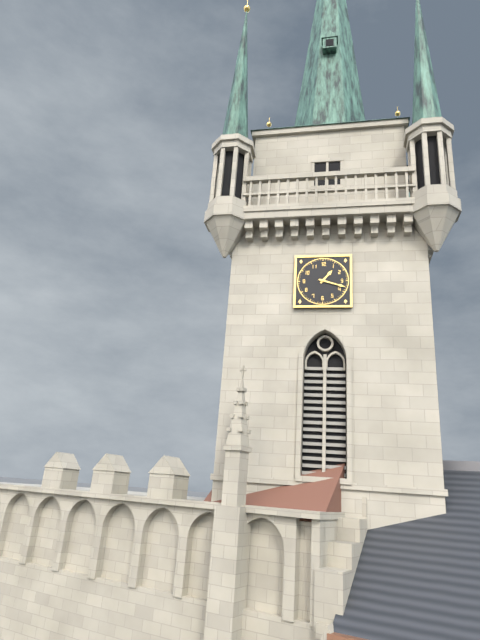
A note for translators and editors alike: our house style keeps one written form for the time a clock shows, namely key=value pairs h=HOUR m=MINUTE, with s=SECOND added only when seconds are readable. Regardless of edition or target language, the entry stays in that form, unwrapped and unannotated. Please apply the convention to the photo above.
h=1 m=18
